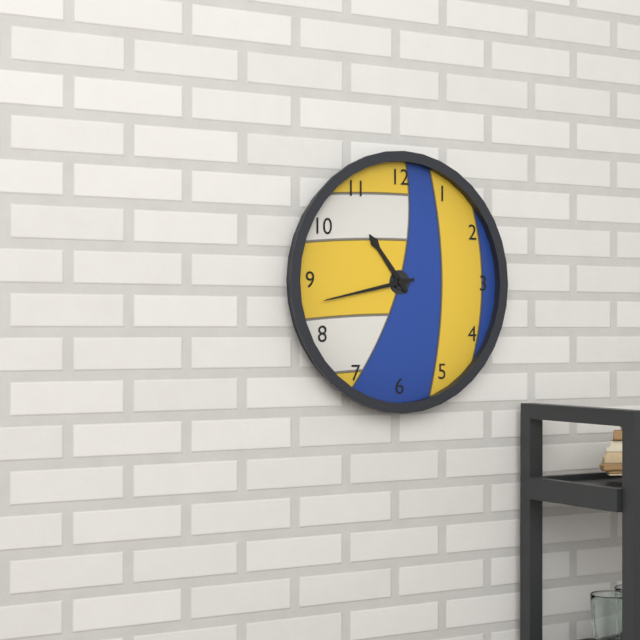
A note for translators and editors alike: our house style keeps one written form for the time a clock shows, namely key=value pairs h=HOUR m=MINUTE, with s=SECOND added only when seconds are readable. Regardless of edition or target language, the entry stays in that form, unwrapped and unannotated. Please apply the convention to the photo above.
h=10 m=43
